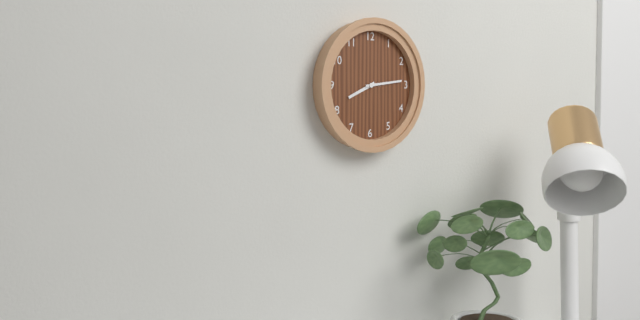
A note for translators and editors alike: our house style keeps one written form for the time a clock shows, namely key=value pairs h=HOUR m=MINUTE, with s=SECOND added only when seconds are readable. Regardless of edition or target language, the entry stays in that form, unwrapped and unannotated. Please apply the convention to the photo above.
h=8 m=14
